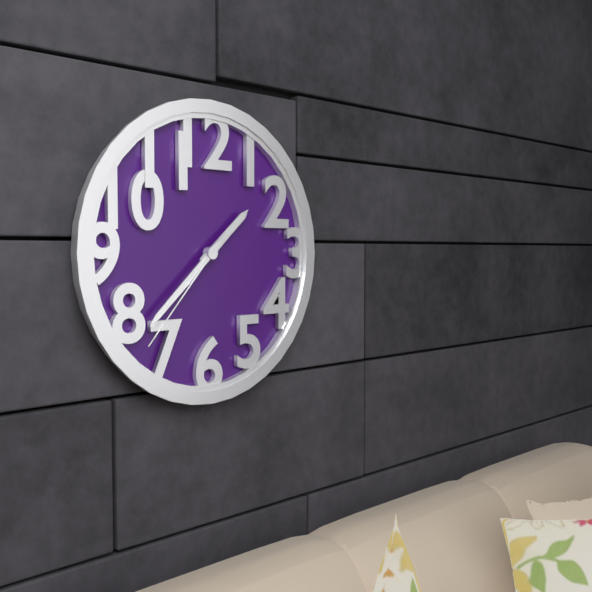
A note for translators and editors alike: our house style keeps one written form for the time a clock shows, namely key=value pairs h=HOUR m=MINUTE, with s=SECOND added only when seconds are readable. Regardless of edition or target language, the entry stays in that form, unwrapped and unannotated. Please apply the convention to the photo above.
h=1 m=38 s=37
